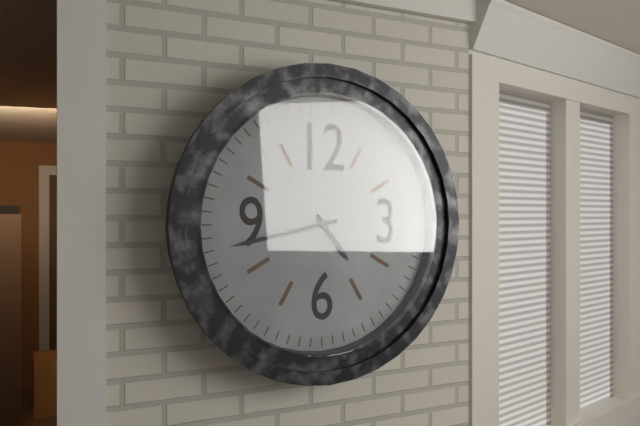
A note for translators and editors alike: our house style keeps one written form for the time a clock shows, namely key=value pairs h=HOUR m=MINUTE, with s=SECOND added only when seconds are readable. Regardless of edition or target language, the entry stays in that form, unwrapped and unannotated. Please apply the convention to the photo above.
h=4 m=43
